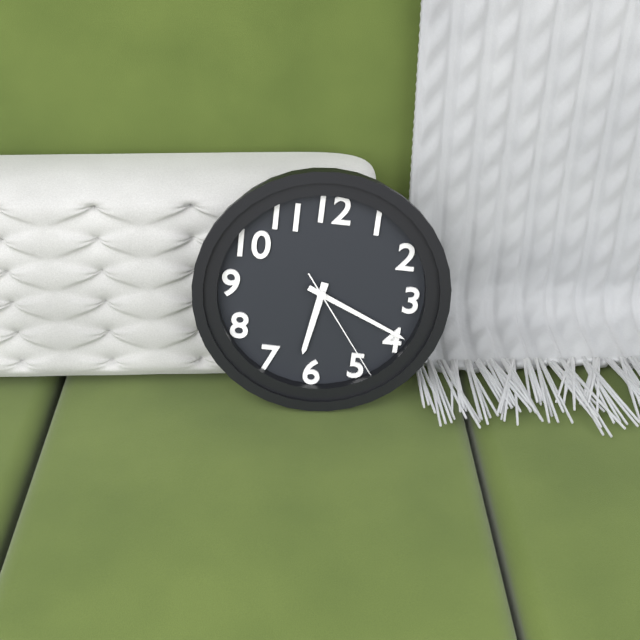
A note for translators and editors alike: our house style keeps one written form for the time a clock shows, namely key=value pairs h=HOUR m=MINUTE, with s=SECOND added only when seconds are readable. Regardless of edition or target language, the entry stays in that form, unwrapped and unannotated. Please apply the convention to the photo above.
h=6 m=19 s=24
